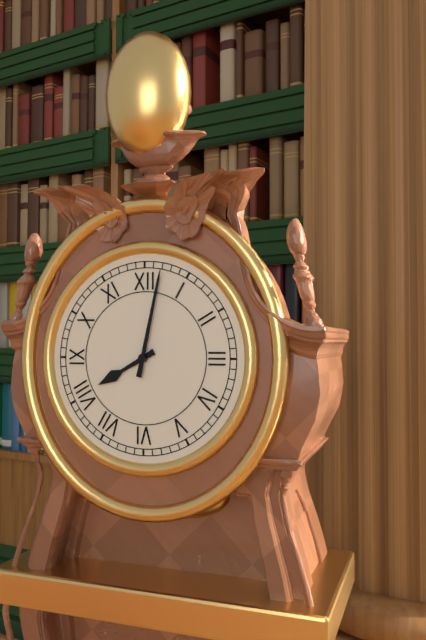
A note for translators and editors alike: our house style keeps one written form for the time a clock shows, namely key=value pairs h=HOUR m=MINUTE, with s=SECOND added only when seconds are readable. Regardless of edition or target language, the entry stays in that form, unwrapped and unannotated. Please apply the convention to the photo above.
h=8 m=2
